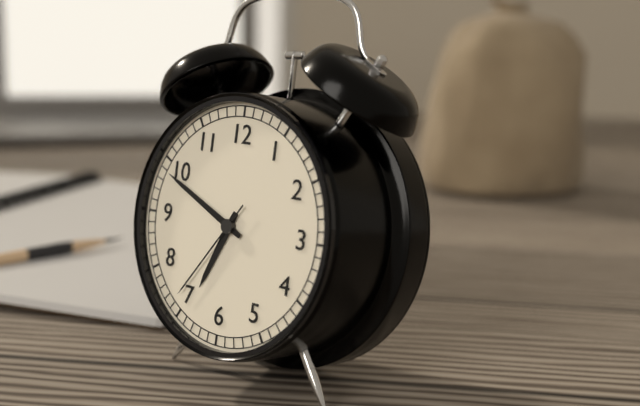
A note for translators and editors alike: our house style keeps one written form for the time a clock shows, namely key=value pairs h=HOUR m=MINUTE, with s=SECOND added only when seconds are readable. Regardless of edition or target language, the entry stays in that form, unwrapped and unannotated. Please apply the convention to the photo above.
h=6 m=49 s=36
